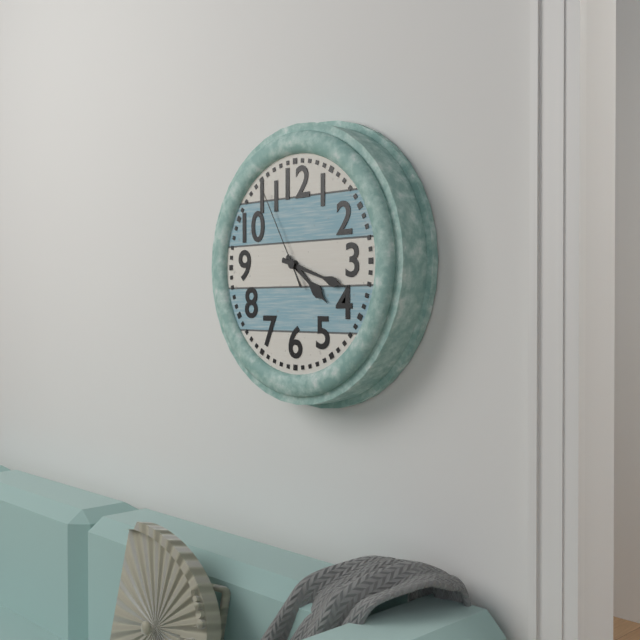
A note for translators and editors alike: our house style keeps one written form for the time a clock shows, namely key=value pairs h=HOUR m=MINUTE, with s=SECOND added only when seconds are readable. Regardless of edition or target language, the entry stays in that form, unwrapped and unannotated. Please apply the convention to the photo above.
h=4 m=18 s=55
